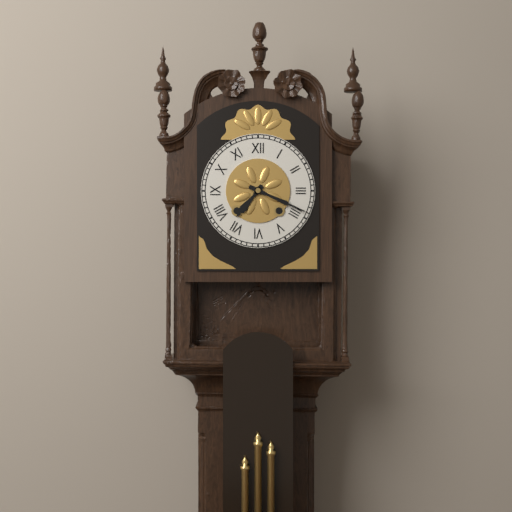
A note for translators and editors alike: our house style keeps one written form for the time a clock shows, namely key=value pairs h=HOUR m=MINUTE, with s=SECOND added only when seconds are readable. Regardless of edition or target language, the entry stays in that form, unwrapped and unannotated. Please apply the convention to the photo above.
h=7 m=19
